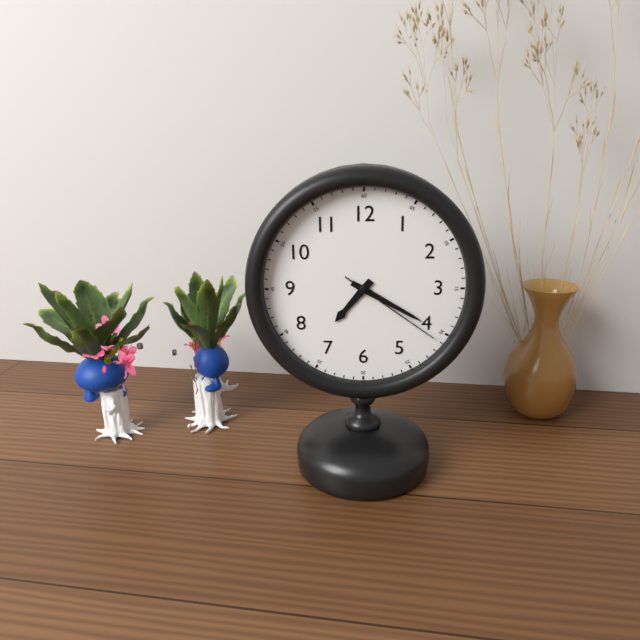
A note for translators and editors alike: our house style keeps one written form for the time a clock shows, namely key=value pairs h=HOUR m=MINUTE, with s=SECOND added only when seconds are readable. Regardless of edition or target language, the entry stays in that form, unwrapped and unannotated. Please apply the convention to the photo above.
h=7 m=20 s=21
